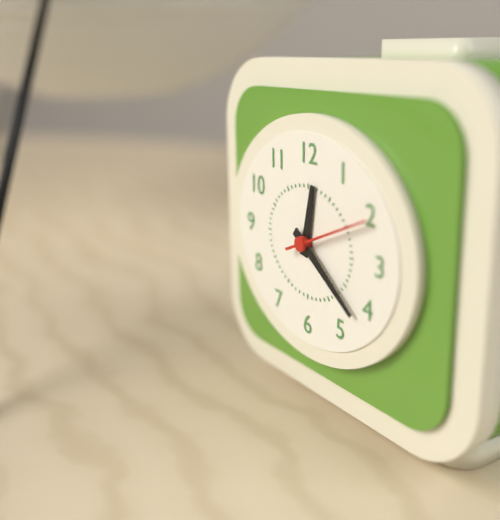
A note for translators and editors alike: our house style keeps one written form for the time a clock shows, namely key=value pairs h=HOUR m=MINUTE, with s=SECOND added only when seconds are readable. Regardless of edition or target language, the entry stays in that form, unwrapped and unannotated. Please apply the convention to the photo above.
h=12 m=21 s=11
